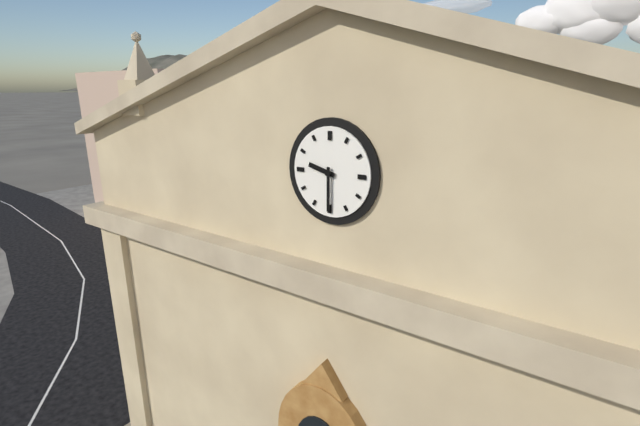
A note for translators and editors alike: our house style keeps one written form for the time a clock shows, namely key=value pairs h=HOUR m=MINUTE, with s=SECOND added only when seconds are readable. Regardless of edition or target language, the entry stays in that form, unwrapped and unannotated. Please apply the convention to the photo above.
h=9 m=30
